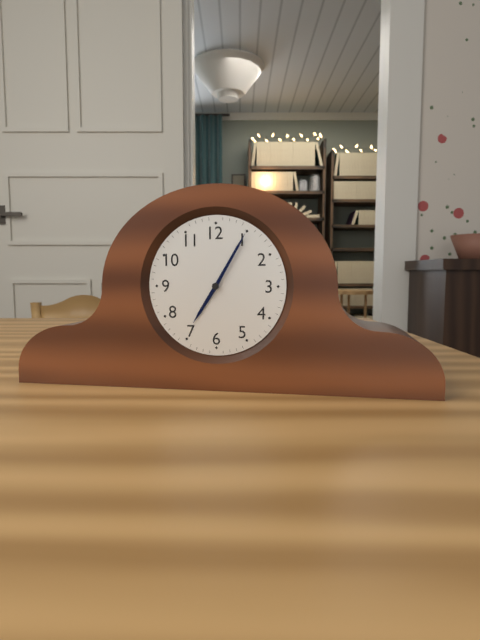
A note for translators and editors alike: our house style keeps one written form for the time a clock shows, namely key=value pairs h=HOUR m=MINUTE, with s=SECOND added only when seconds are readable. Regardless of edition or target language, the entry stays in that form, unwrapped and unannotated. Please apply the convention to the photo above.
h=7 m=5
